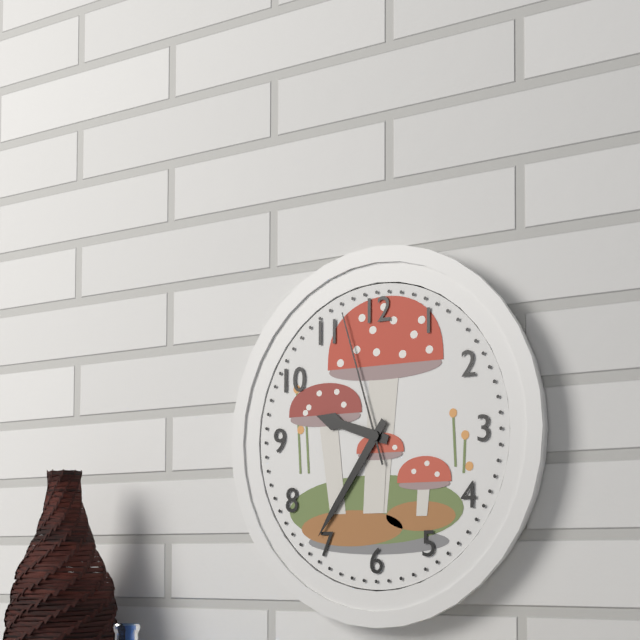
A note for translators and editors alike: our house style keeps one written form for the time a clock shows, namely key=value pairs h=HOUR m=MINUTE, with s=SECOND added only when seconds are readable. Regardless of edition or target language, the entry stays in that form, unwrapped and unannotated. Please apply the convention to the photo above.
h=9 m=36 s=57
